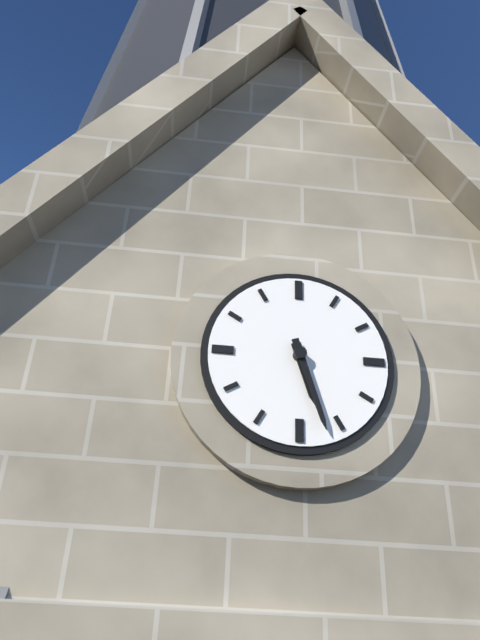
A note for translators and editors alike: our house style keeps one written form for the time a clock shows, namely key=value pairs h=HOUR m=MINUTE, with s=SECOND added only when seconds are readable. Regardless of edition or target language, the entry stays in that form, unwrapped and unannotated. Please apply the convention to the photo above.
h=5 m=27
